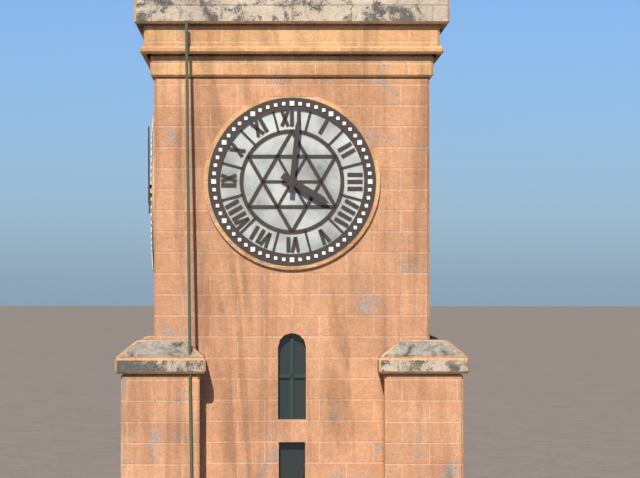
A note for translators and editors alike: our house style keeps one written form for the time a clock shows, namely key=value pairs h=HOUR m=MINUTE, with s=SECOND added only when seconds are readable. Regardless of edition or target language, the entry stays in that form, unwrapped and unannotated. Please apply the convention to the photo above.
h=4 m=1
